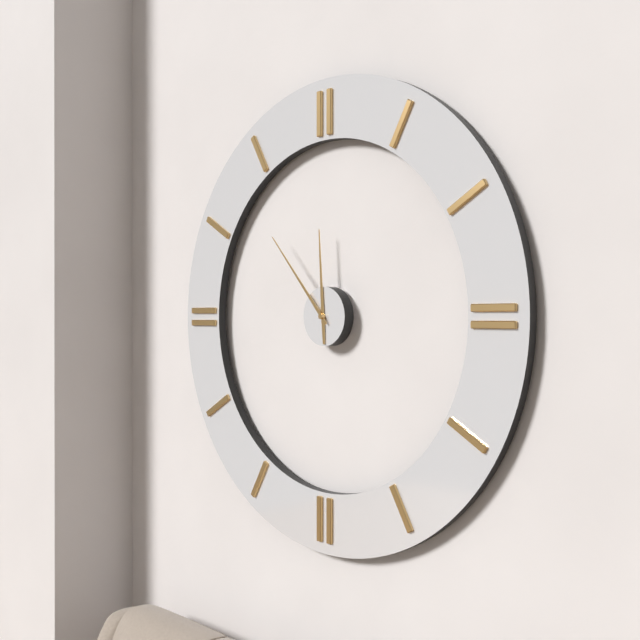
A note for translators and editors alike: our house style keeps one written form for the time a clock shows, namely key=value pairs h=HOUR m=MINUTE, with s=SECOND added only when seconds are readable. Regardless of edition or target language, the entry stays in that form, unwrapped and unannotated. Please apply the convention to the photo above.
h=11 m=53
